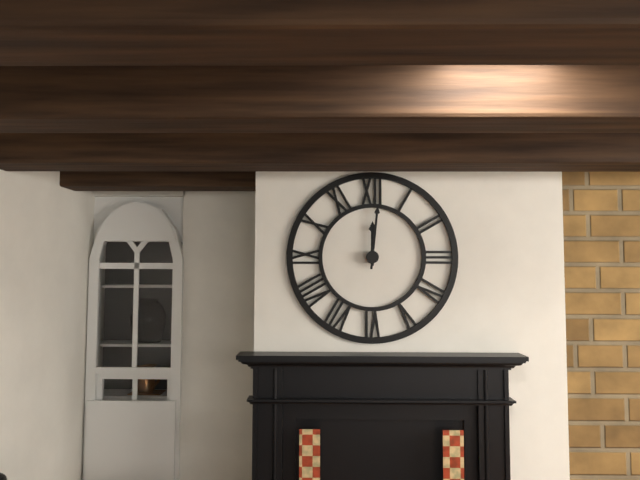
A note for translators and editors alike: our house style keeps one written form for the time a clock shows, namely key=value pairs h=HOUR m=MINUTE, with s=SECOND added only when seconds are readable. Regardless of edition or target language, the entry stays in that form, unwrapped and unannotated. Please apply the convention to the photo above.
h=12 m=1
